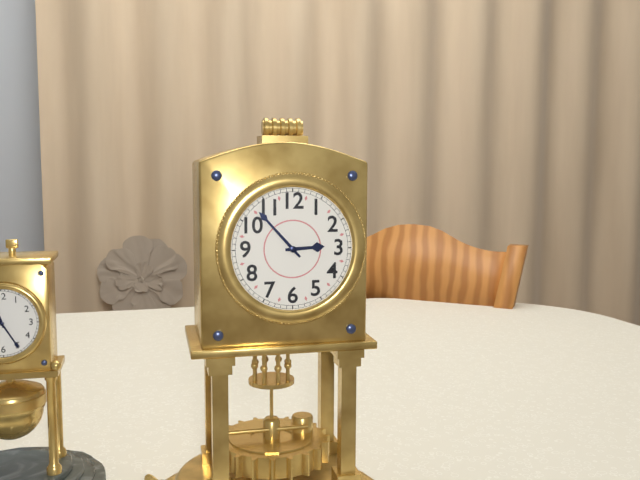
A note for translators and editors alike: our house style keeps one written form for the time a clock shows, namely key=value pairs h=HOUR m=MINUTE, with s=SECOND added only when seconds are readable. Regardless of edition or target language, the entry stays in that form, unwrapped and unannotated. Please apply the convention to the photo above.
h=2 m=53
